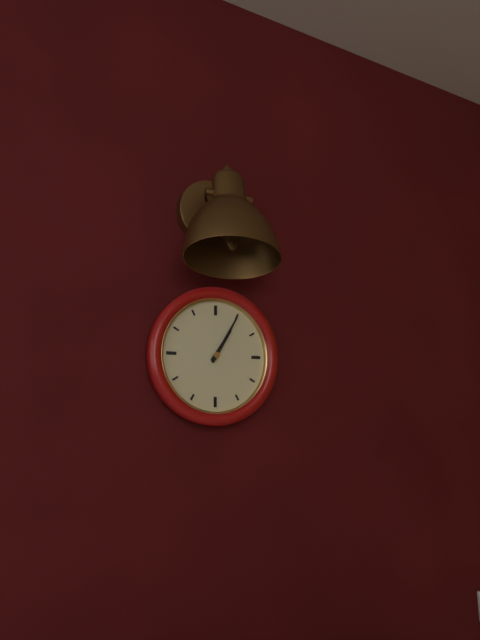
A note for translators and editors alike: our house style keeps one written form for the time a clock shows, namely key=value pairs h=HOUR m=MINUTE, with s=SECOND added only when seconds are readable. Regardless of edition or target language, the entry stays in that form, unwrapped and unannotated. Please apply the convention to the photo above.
h=1 m=5
